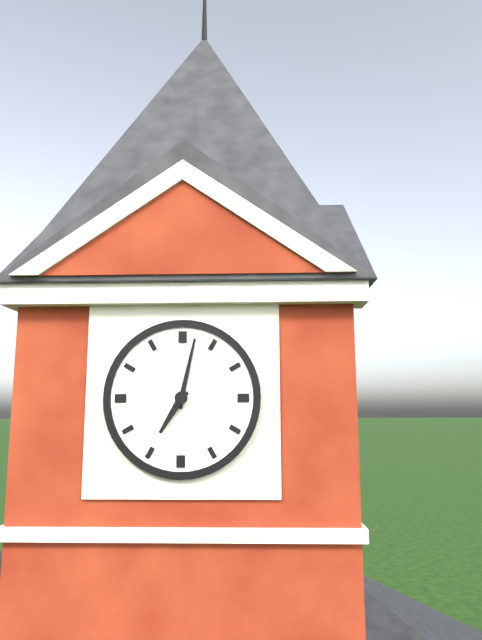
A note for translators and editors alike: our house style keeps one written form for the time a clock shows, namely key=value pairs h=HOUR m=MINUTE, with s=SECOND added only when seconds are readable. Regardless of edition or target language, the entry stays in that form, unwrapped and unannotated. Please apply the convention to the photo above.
h=7 m=2
